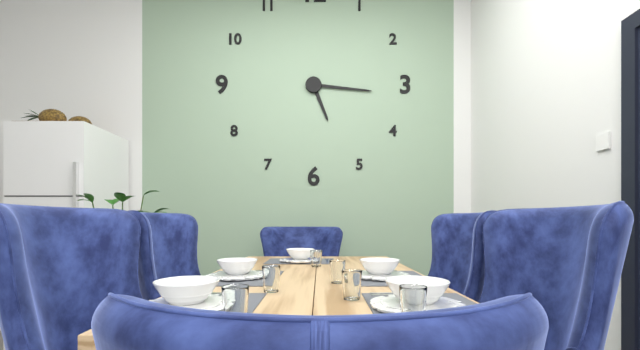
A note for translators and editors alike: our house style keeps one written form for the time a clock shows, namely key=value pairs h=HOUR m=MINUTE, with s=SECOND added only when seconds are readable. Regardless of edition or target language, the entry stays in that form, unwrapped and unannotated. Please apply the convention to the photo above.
h=5 m=16
